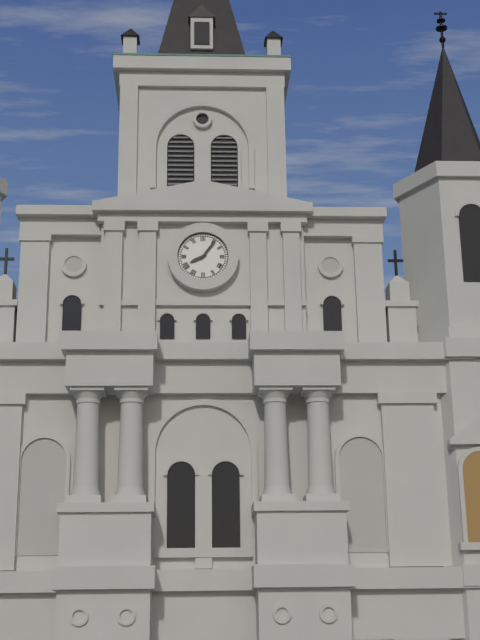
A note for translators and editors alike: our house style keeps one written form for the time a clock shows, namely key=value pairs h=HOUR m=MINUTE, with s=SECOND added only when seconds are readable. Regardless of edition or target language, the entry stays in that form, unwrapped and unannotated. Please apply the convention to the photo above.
h=8 m=6
